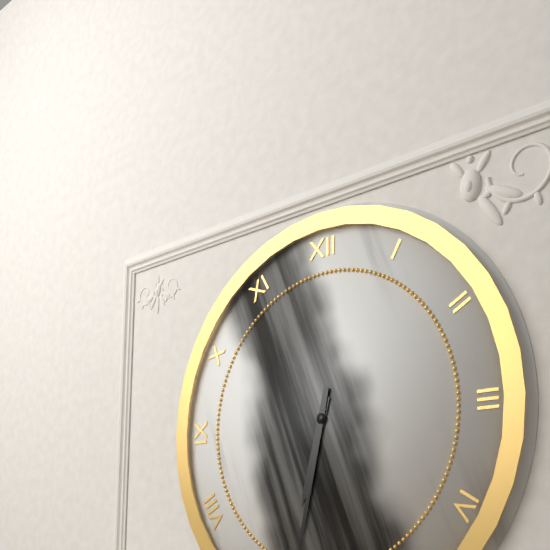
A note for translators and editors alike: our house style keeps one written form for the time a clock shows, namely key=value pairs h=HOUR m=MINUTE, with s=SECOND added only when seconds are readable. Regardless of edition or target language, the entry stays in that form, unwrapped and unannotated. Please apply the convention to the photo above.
h=6 m=32
